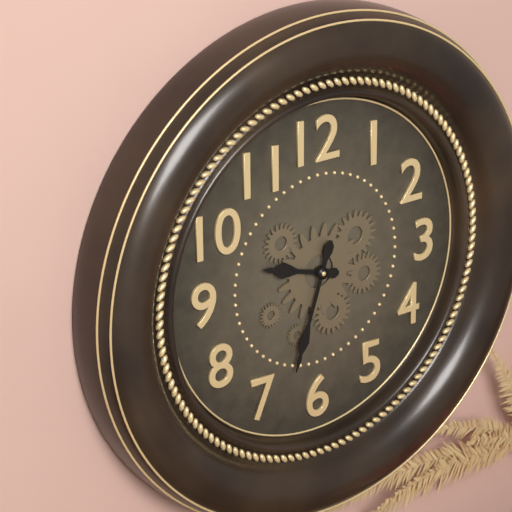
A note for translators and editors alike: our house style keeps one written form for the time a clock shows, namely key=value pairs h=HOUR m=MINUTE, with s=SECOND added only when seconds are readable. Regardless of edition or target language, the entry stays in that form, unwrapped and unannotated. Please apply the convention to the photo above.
h=9 m=33
